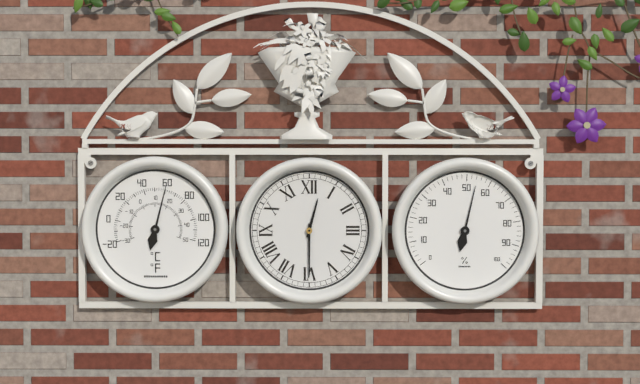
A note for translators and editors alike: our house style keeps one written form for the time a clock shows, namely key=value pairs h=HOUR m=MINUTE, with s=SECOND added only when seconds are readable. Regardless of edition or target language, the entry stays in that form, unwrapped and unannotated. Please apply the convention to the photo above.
h=12 m=30
